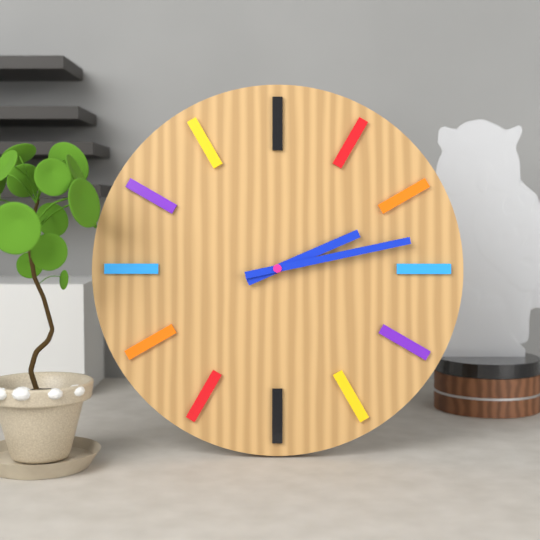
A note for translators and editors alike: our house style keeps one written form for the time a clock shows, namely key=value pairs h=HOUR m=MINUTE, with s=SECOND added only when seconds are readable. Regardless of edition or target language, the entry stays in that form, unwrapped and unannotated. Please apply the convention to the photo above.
h=2 m=13
